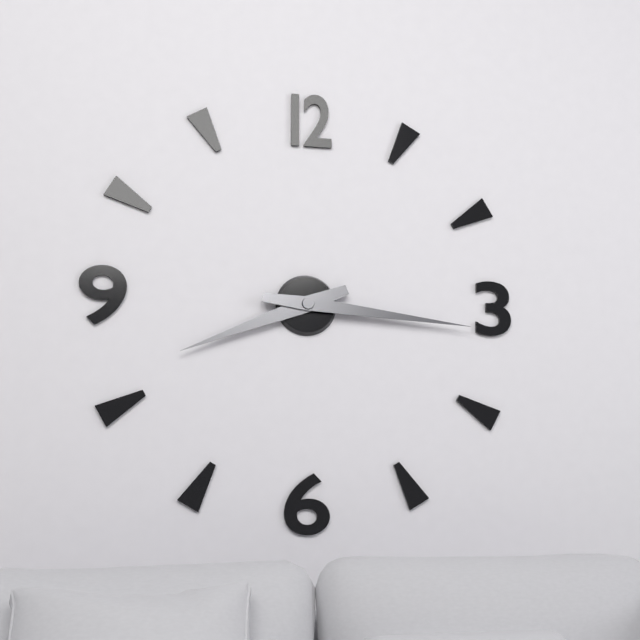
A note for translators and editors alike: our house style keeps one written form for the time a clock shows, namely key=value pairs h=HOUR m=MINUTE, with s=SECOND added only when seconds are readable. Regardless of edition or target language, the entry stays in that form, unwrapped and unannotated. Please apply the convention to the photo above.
h=8 m=16
